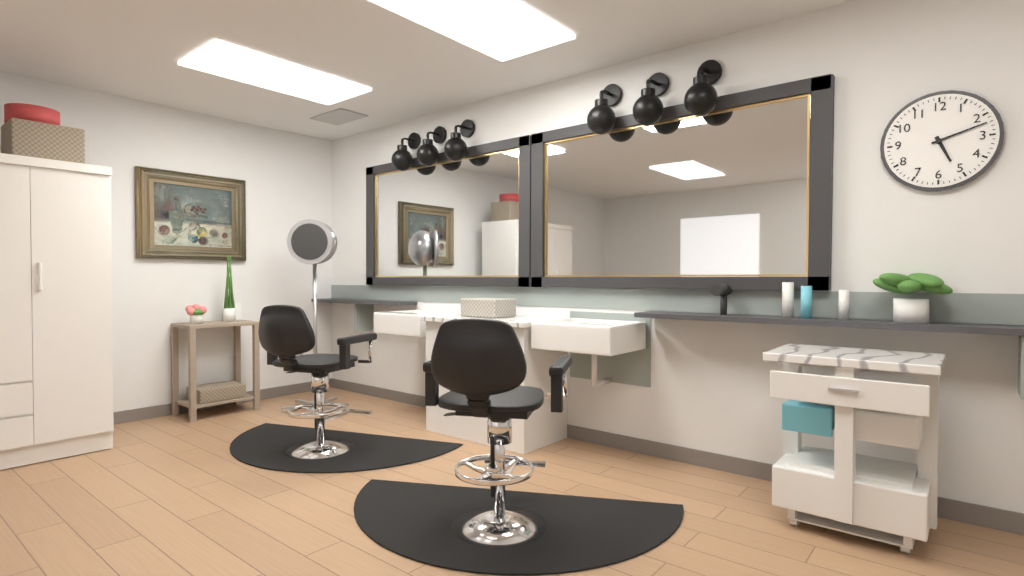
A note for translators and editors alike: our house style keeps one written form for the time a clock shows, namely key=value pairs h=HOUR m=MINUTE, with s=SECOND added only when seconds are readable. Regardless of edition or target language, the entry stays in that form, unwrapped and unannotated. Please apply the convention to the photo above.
h=5 m=12
